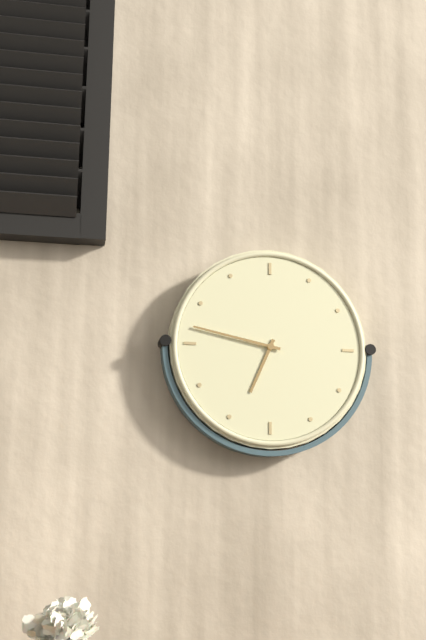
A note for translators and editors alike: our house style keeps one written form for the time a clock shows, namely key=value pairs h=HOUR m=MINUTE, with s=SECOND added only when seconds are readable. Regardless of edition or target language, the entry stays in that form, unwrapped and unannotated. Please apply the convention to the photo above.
h=6 m=47
